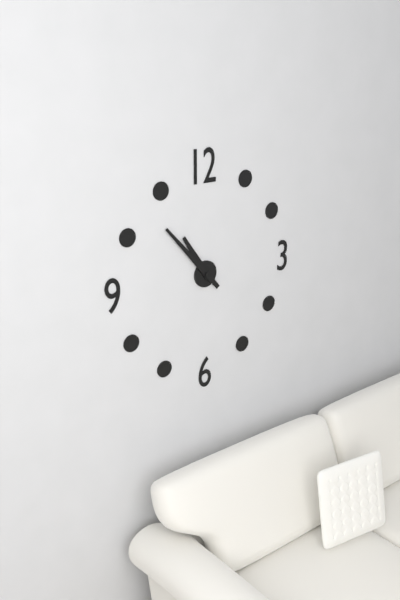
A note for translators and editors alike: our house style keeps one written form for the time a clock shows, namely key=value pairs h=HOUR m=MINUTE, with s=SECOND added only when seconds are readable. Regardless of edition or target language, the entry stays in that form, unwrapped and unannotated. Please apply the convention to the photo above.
h=10 m=53
